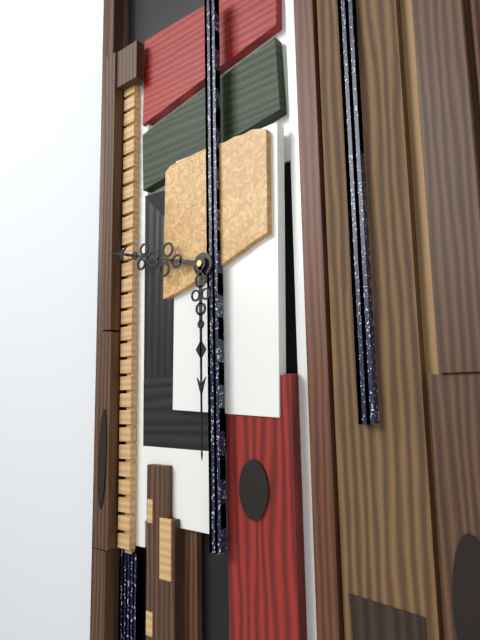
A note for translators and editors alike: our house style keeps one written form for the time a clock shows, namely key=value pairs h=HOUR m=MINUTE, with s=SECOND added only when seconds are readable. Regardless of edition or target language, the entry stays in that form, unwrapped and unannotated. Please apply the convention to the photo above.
h=9 m=30
